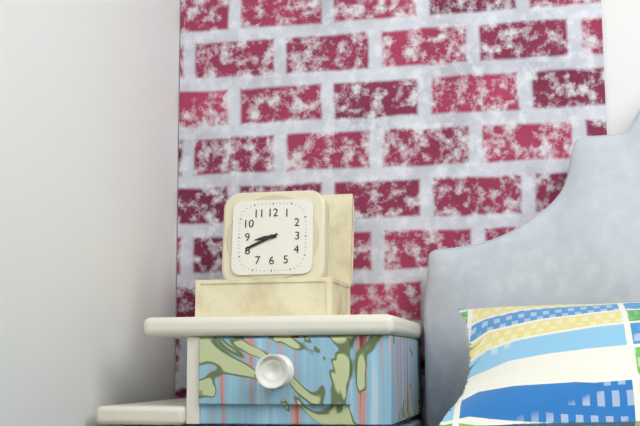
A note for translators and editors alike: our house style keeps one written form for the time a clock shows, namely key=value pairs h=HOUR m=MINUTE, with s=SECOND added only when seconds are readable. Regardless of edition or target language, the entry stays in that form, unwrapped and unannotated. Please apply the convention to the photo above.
h=8 m=41
